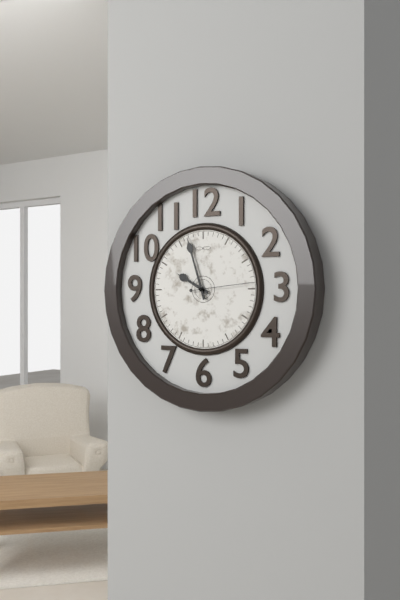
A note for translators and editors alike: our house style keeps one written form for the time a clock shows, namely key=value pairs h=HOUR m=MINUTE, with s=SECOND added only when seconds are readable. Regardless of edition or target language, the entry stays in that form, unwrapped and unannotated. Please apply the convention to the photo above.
h=9 m=57 s=14
